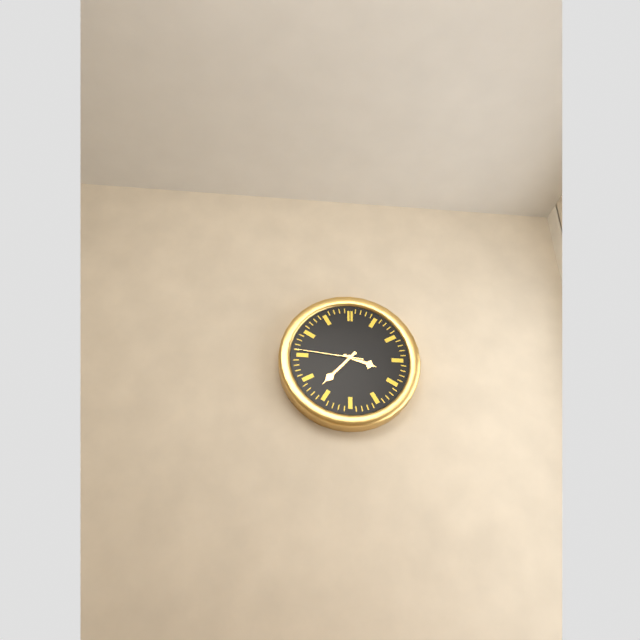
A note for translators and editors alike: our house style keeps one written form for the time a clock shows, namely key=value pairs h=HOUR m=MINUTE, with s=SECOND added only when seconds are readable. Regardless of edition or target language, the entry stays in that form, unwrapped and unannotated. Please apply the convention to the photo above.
h=3 m=37 s=46
